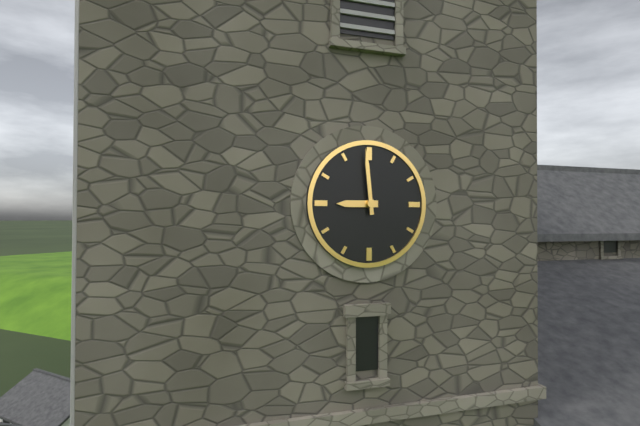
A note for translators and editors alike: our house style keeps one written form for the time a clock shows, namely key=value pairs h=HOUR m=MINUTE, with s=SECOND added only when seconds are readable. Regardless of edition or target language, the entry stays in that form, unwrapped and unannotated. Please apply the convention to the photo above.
h=8 m=59
